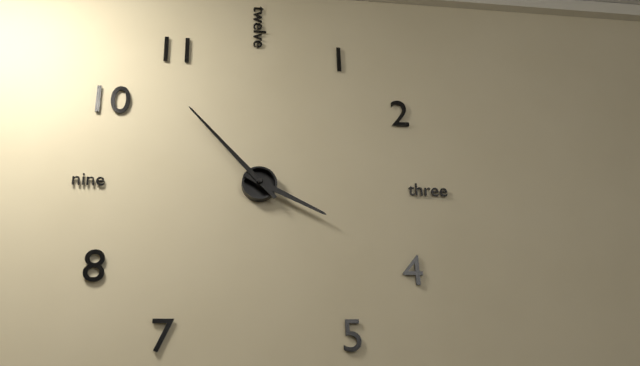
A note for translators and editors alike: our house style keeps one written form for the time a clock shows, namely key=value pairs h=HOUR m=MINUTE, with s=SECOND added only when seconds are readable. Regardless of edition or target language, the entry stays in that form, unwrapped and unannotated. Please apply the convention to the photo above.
h=3 m=53
